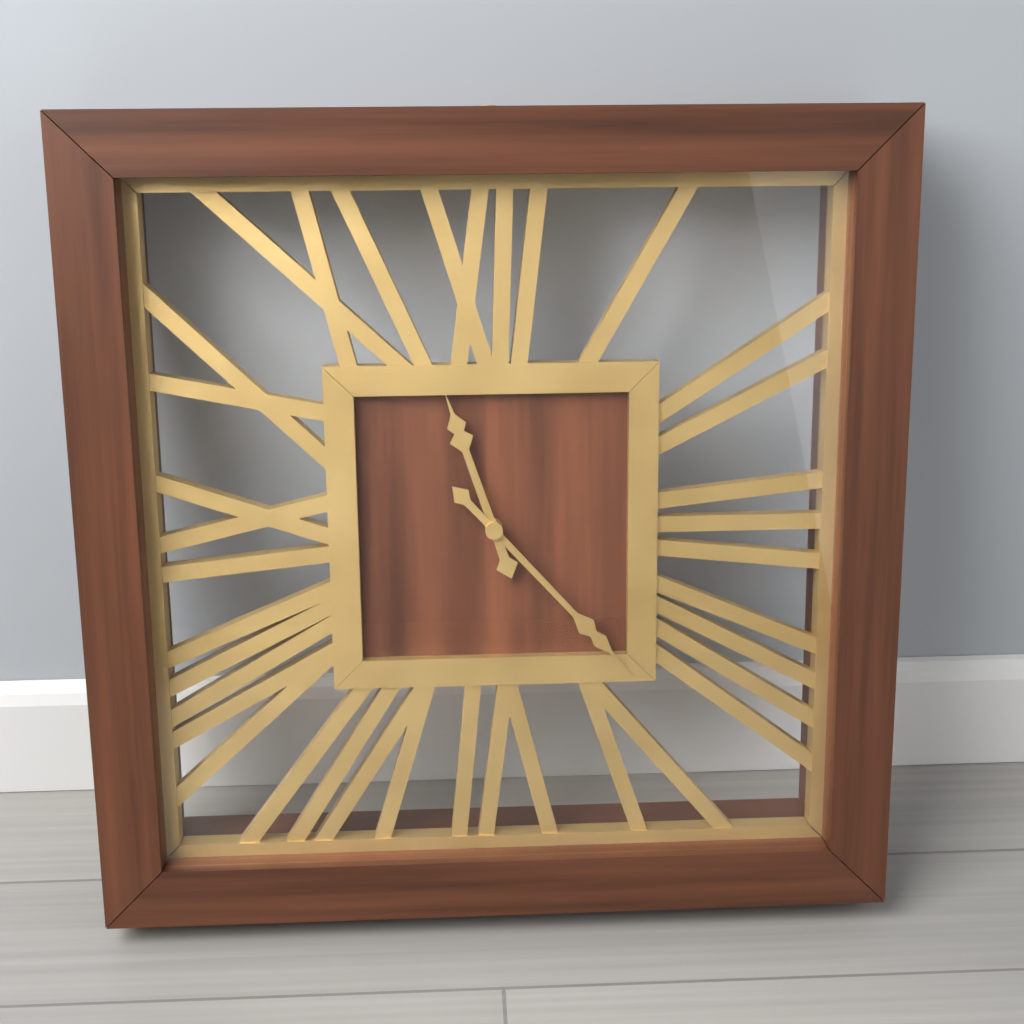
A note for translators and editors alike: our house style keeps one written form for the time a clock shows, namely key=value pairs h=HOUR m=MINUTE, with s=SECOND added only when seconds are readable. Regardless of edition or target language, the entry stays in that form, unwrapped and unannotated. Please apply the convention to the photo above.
h=11 m=23
